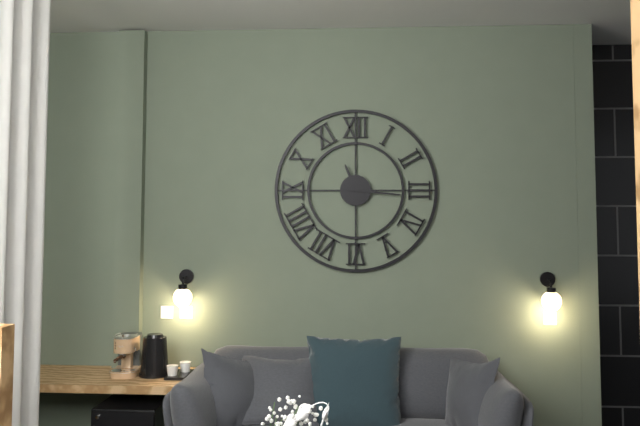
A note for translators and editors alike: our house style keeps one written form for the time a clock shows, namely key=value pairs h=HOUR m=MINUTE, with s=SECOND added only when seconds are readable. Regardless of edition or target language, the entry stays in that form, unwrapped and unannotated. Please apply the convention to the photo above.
h=11 m=16
